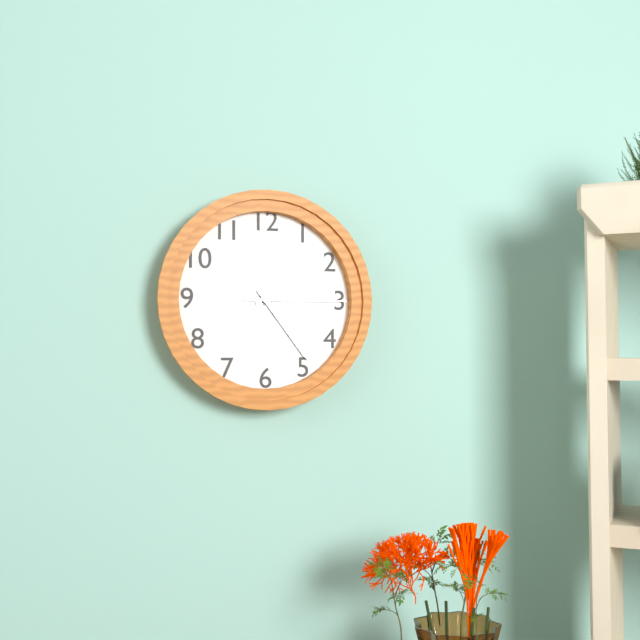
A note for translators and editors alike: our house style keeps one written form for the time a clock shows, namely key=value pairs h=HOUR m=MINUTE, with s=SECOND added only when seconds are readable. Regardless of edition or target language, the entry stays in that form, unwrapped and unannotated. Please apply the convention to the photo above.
h=2 m=24 s=15
